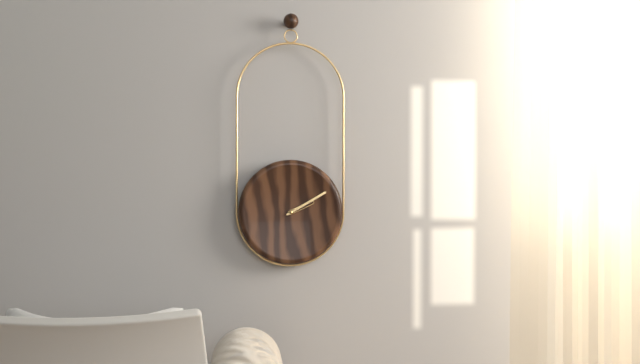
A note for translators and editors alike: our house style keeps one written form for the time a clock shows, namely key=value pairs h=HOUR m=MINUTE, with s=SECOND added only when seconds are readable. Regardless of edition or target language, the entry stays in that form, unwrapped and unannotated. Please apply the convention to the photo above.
h=2 m=10
